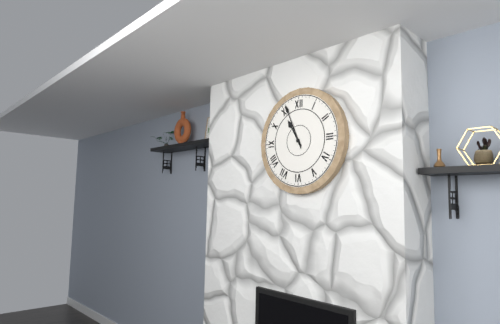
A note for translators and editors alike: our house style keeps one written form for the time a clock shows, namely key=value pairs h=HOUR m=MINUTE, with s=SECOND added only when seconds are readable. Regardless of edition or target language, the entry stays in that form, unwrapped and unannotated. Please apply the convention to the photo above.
h=10 m=56
